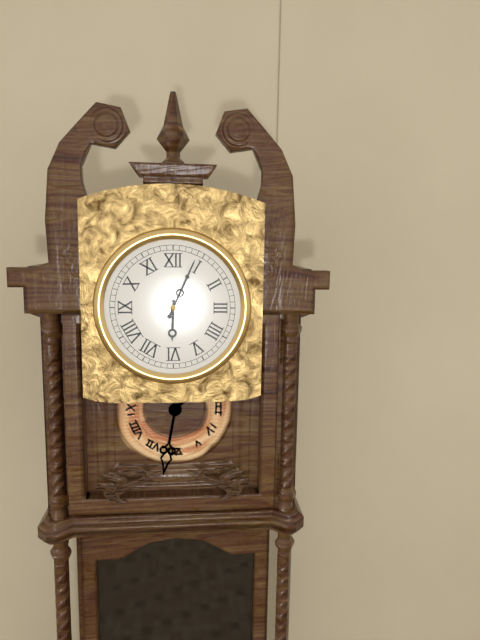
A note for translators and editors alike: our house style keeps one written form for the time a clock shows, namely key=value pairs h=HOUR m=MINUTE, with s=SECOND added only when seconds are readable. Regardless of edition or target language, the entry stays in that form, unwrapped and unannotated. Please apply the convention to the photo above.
h=6 m=4
